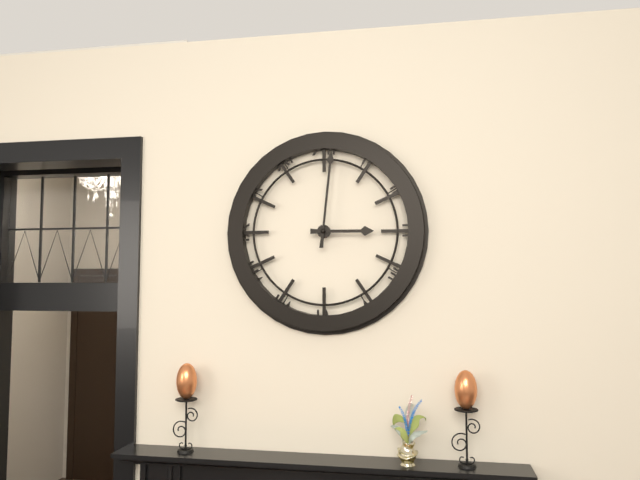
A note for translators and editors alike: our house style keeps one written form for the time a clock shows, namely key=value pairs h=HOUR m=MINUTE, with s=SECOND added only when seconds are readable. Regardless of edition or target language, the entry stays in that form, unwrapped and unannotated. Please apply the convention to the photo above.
h=3 m=1
